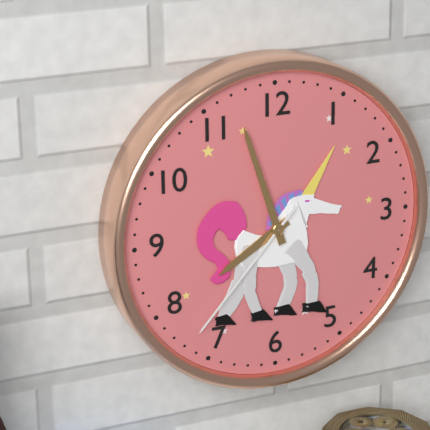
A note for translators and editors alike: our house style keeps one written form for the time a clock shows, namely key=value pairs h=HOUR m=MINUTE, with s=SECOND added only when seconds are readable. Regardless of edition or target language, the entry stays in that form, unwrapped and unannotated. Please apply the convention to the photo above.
h=7 m=57 s=37
